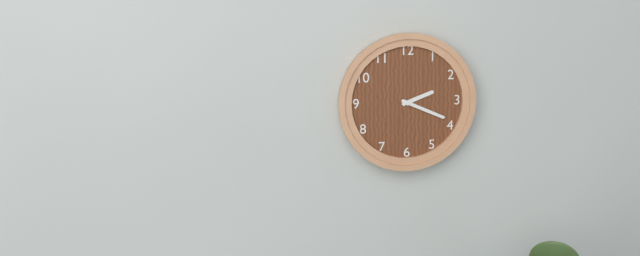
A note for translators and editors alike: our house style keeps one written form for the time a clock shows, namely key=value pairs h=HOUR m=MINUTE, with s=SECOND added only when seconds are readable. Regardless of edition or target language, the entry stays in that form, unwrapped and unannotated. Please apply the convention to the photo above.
h=2 m=19
